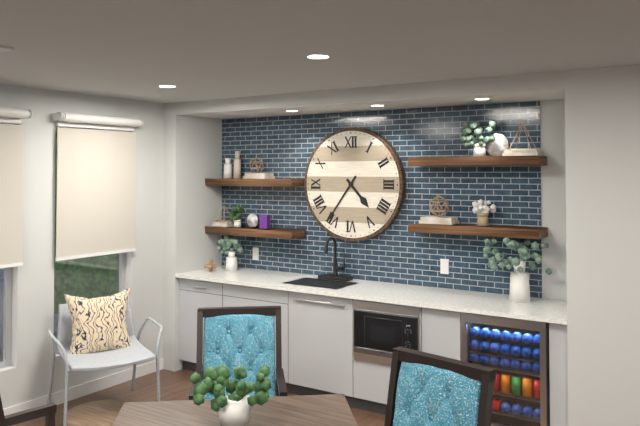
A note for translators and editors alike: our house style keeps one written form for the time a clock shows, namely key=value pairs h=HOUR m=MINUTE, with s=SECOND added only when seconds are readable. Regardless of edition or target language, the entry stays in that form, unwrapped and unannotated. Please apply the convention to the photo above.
h=4 m=36
